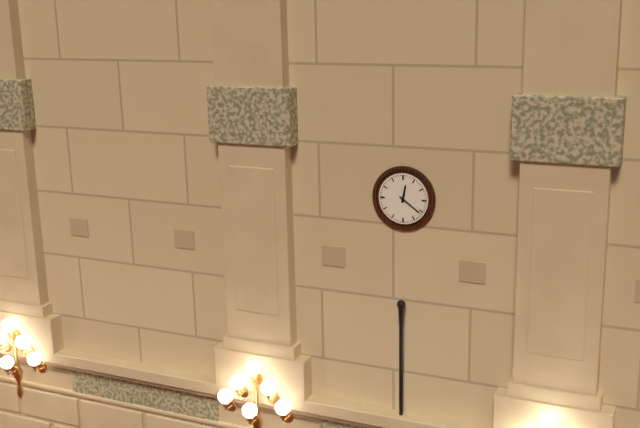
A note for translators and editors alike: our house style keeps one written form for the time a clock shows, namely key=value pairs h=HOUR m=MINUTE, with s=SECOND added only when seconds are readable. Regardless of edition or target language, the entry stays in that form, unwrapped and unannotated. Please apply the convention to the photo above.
h=12 m=21
